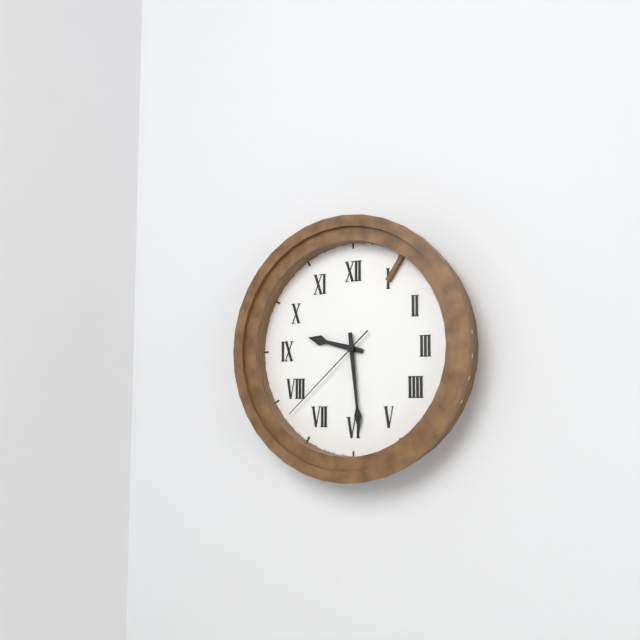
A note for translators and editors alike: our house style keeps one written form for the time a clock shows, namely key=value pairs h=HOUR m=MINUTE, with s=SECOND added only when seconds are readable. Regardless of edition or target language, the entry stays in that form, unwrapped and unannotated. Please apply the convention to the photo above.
h=9 m=29 s=38
